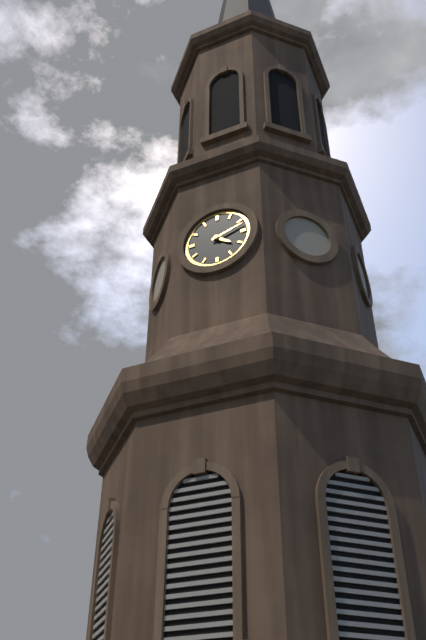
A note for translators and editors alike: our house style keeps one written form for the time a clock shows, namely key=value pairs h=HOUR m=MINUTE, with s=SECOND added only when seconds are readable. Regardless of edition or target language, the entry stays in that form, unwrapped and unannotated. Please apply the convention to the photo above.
h=4 m=12
